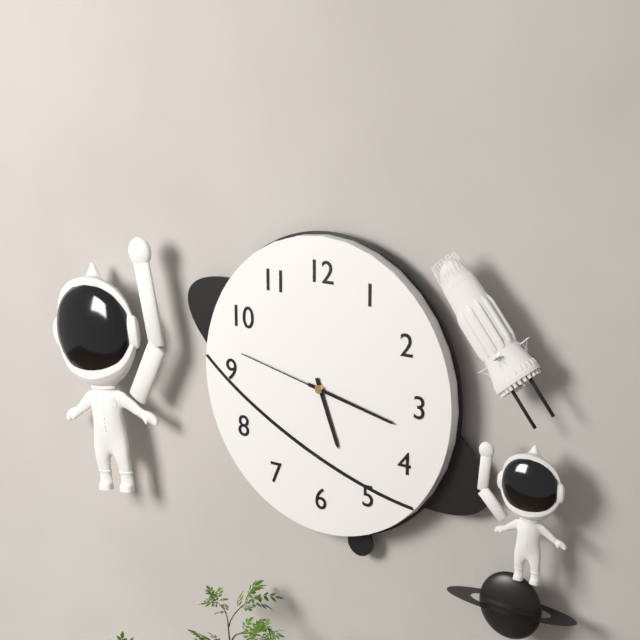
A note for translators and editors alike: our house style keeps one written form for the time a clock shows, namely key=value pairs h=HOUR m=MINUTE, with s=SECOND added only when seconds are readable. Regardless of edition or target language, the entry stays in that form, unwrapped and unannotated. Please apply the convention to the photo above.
h=5 m=17 s=47
